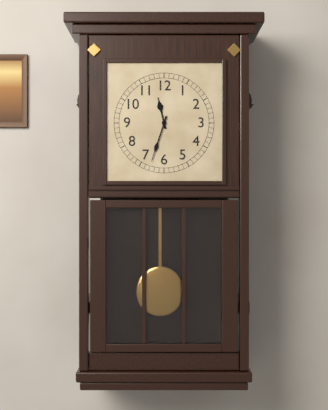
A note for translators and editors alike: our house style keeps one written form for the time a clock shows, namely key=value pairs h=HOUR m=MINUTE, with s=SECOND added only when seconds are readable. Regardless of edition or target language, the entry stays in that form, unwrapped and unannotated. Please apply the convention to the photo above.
h=11 m=33
